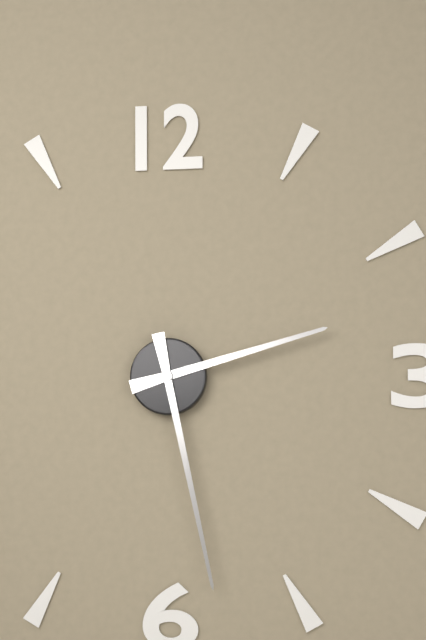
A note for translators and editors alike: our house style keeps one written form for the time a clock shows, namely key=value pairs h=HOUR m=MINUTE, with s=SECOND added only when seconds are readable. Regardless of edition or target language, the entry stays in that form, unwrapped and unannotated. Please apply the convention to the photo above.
h=2 m=28
